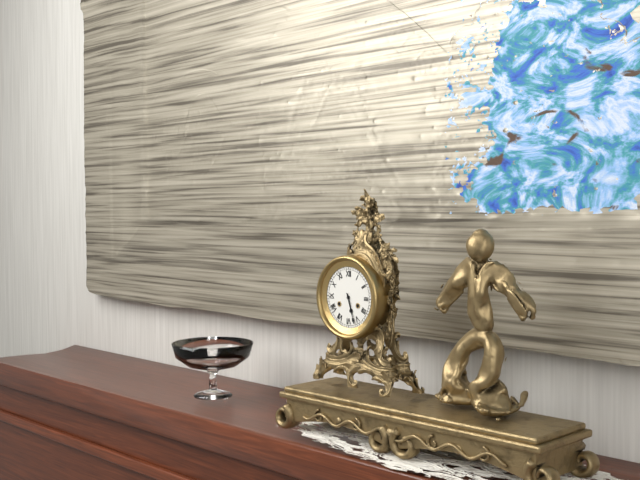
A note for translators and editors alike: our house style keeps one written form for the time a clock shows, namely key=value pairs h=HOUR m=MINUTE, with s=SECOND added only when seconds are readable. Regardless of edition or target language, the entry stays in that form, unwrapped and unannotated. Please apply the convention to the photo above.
h=5 m=27
